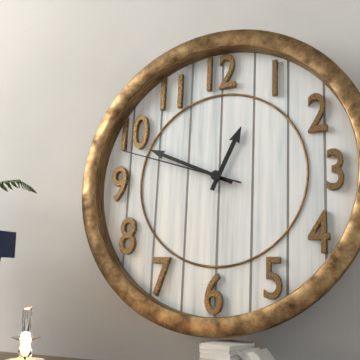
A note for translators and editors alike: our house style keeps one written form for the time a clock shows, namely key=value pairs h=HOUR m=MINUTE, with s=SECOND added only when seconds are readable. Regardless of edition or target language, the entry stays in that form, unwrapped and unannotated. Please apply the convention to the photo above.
h=12 m=49 s=48
